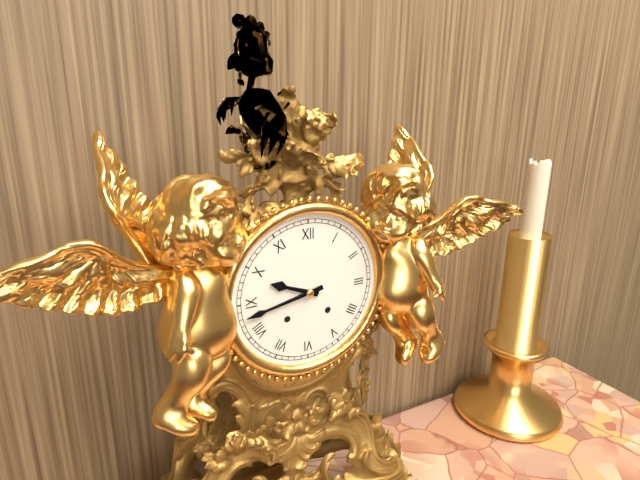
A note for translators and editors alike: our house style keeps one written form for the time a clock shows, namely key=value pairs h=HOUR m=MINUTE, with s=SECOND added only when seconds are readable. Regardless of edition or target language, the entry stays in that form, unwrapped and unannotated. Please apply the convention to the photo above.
h=9 m=43
